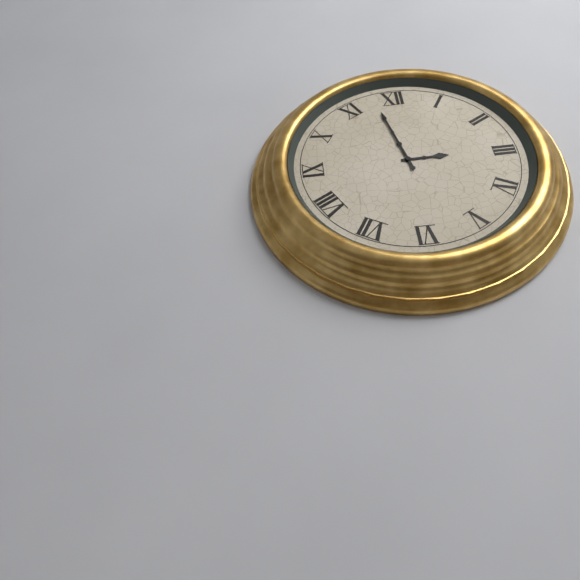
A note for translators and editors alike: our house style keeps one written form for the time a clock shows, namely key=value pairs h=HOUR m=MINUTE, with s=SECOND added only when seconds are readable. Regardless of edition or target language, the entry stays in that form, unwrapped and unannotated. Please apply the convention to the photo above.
h=2 m=58
